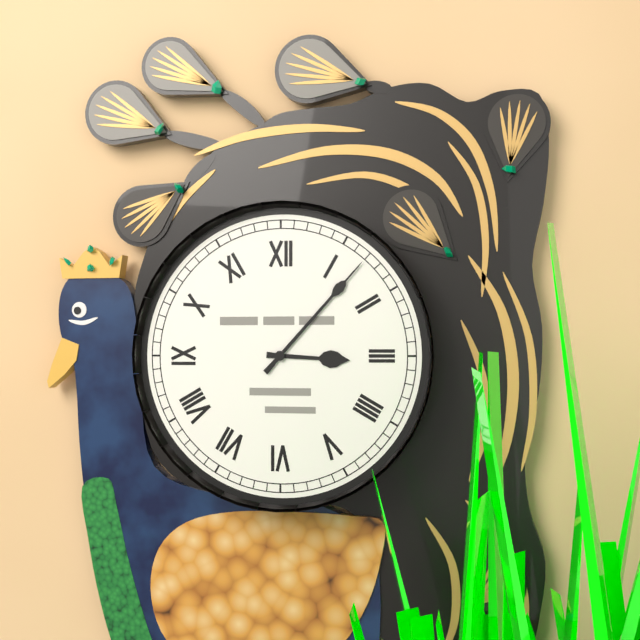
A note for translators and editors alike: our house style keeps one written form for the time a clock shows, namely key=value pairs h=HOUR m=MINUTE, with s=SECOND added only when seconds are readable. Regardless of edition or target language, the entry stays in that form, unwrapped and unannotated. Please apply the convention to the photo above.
h=3 m=7
